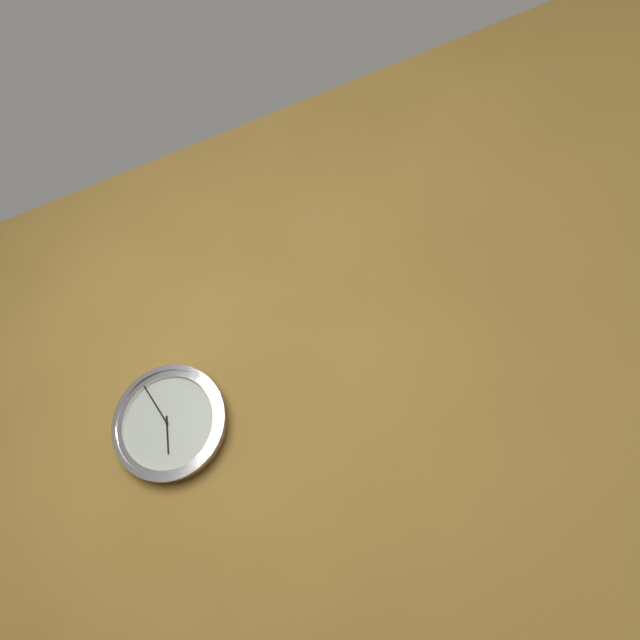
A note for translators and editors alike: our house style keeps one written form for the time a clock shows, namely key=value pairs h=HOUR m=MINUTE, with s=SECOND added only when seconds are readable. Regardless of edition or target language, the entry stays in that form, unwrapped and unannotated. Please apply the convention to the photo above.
h=5 m=55
